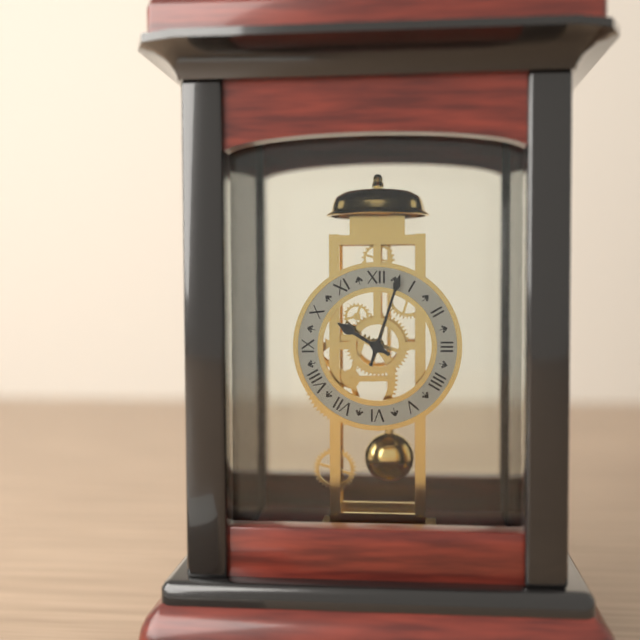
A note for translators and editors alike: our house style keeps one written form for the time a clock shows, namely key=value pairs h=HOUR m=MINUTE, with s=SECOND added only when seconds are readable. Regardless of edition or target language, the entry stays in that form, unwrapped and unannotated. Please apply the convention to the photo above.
h=10 m=3
